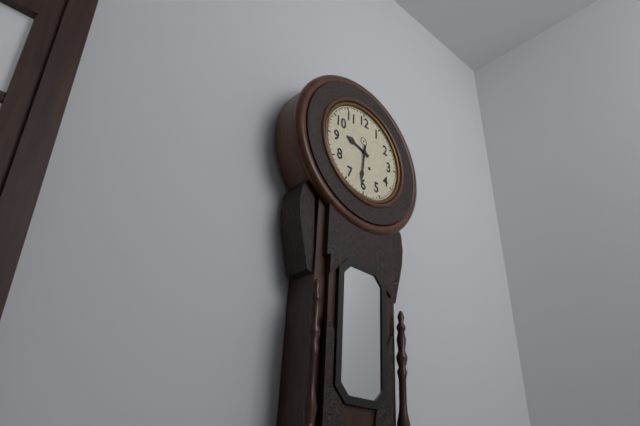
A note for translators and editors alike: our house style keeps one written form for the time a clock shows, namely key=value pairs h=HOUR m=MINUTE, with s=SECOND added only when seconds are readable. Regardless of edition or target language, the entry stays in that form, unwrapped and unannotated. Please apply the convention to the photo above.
h=9 m=31
